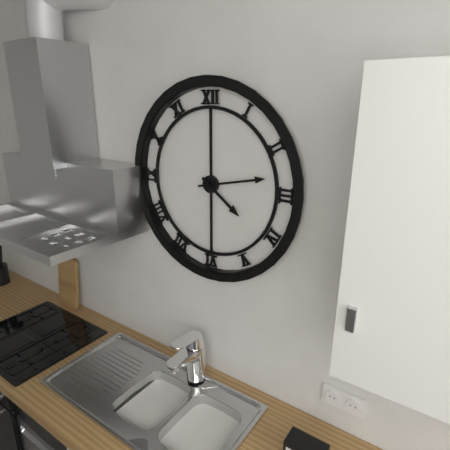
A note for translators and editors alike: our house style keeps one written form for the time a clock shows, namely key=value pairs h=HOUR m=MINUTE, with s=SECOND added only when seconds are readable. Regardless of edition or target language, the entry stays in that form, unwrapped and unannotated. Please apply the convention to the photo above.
h=4 m=13
